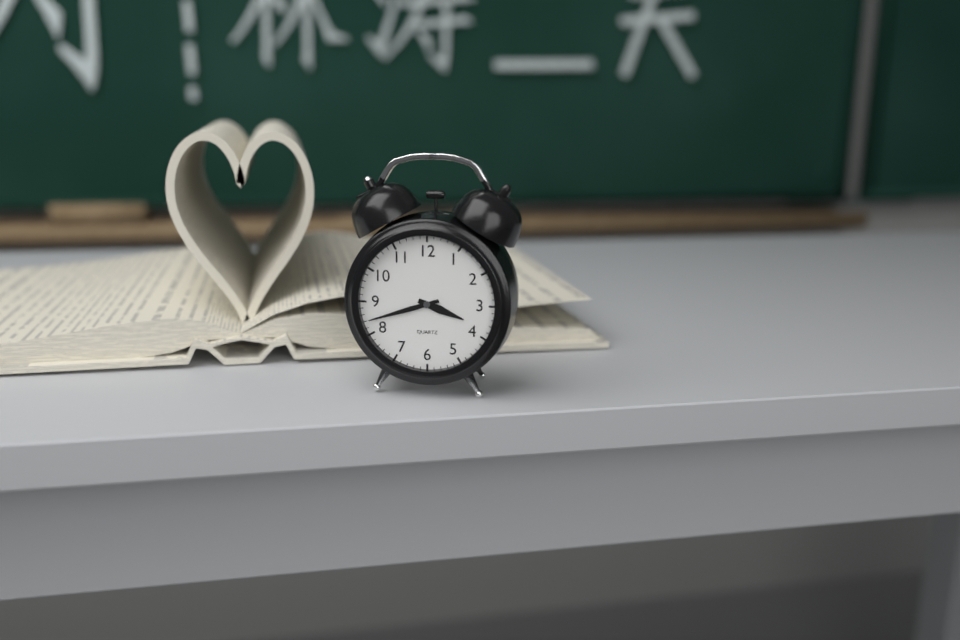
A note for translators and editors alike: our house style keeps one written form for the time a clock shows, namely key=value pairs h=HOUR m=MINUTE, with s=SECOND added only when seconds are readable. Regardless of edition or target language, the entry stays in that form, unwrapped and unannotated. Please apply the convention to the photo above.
h=3 m=42
